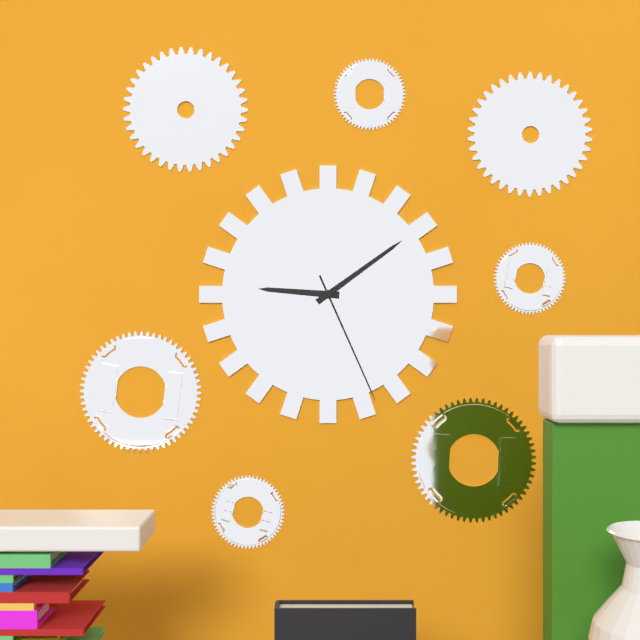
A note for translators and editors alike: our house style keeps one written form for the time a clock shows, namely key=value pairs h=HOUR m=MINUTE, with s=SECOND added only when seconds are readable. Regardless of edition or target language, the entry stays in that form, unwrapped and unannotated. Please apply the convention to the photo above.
h=9 m=9 s=26
